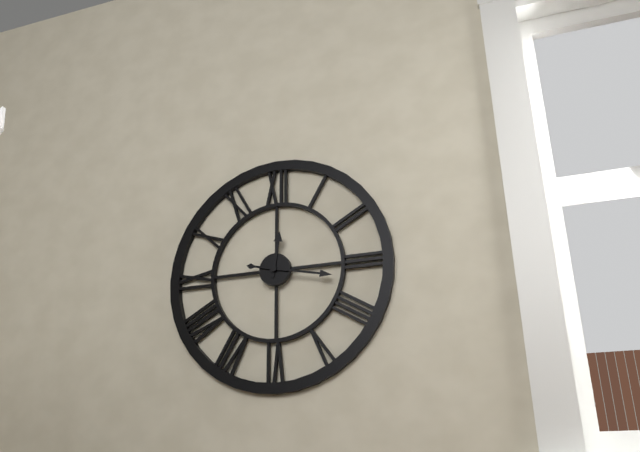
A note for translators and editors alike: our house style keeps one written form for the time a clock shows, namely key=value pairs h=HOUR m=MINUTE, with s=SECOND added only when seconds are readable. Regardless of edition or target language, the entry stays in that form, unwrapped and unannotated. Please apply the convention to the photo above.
h=12 m=17
